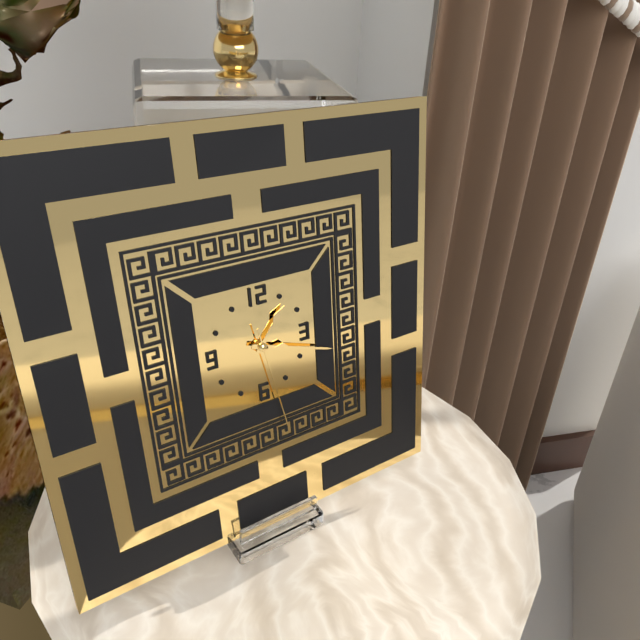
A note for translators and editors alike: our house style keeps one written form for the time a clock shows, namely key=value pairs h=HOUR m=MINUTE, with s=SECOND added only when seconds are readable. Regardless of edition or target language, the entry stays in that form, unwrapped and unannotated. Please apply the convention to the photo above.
h=1 m=18 s=28
